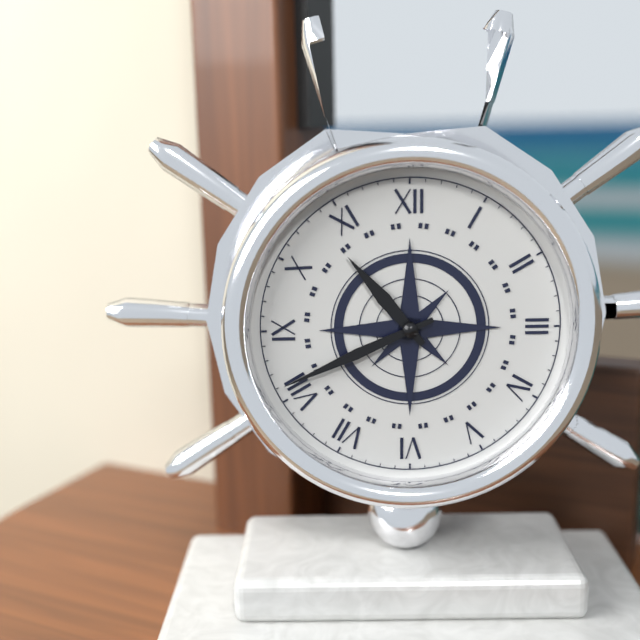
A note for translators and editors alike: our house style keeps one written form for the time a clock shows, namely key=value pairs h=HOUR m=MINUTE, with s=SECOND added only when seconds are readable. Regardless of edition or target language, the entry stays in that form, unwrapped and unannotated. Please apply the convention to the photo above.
h=10 m=41
